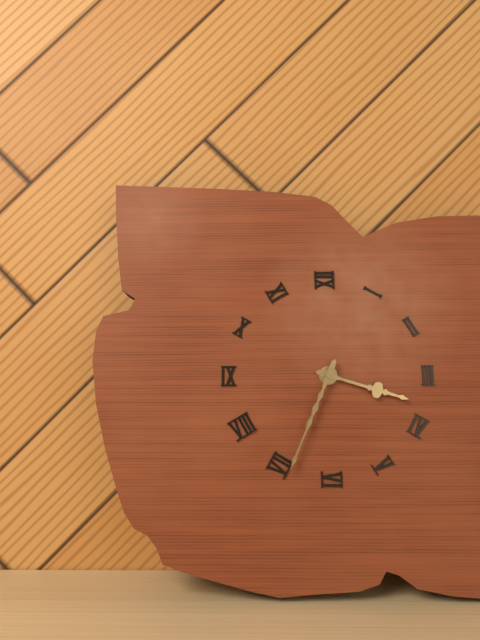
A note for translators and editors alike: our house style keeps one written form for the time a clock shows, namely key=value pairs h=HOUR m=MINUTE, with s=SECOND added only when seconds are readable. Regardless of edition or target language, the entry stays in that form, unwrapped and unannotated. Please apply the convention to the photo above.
h=3 m=34
